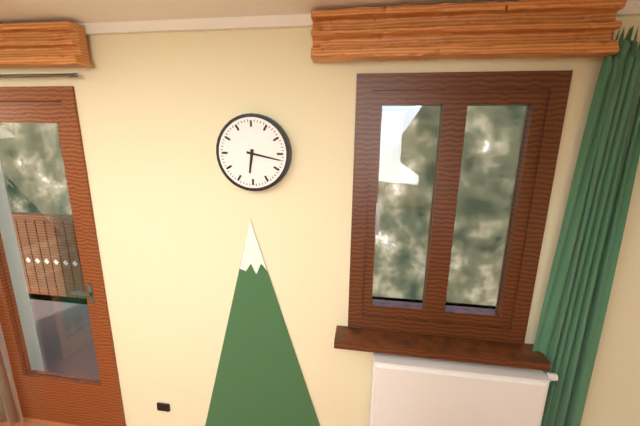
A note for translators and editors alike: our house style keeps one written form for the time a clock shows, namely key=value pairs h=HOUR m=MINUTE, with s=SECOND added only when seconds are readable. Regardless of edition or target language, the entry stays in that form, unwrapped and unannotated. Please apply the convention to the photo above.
h=6 m=17
